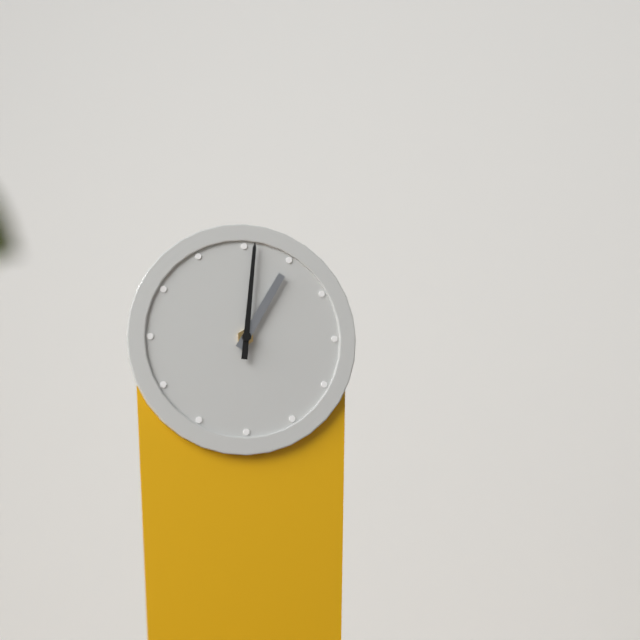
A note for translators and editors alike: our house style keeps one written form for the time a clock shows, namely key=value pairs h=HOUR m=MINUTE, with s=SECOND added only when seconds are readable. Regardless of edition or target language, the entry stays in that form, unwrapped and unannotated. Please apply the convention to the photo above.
h=1 m=1
